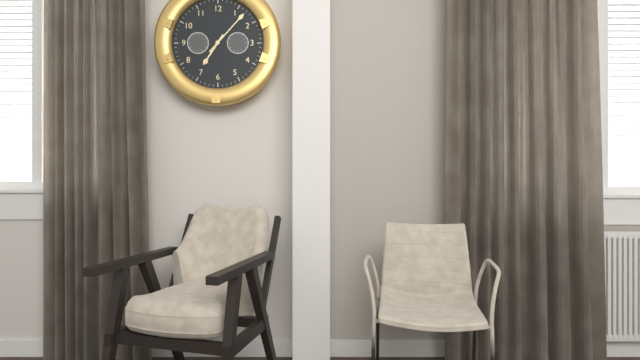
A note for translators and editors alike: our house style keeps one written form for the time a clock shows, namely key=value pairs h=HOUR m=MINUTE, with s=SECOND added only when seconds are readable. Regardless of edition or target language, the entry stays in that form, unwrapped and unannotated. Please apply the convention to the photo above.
h=7 m=7
